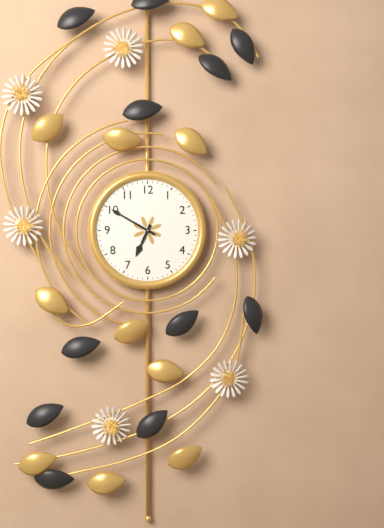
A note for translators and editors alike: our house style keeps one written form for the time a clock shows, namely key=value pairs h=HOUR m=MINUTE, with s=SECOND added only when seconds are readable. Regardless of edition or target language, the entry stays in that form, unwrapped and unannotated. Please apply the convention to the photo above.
h=6 m=50
